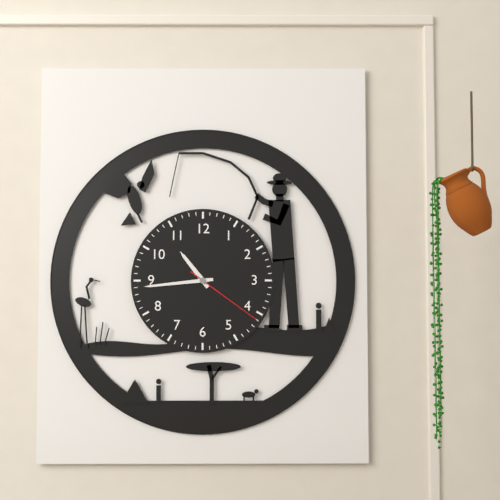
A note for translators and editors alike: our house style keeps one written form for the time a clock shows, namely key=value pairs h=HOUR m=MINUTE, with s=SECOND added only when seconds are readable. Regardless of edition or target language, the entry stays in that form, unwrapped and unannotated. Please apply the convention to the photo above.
h=10 m=44 s=21
